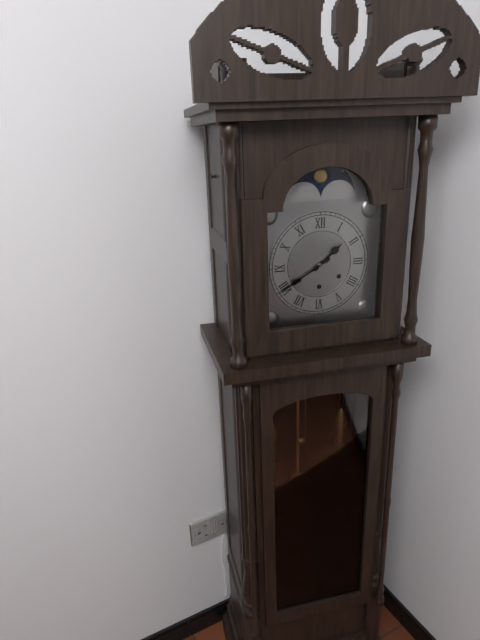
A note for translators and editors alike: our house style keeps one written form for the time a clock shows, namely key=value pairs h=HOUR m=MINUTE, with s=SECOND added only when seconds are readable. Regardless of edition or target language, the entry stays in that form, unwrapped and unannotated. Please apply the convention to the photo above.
h=1 m=40
